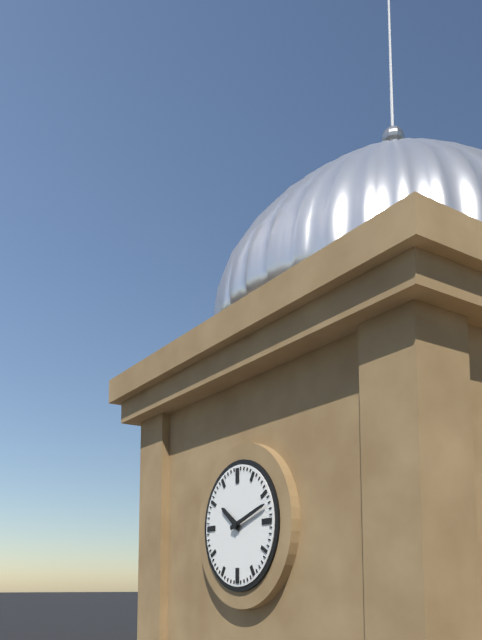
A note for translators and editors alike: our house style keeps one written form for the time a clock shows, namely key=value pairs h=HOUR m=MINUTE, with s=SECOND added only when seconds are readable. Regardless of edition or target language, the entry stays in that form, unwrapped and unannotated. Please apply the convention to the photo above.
h=10 m=12
